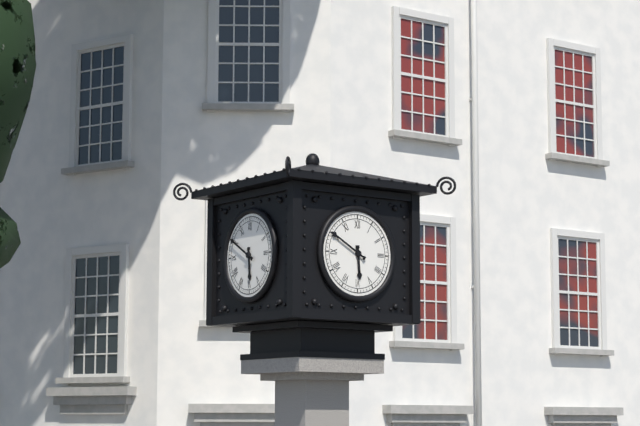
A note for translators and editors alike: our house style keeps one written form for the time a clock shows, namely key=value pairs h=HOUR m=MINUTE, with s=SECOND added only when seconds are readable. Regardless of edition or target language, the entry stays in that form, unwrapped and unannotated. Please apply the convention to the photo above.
h=5 m=50
